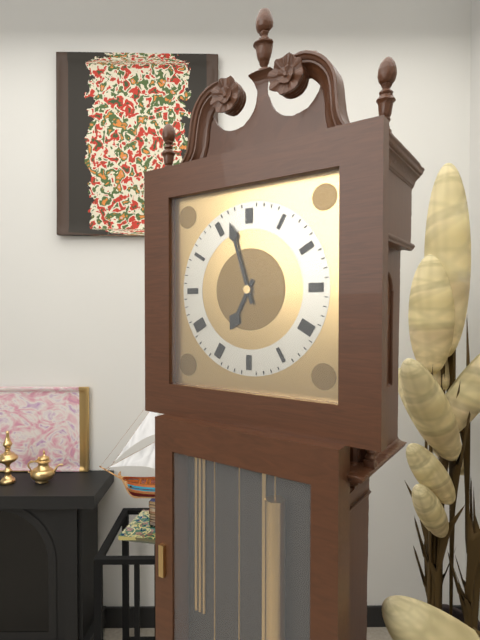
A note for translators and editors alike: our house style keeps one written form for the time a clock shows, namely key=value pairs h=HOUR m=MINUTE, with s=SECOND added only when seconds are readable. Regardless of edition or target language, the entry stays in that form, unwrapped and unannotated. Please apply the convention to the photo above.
h=6 m=57
